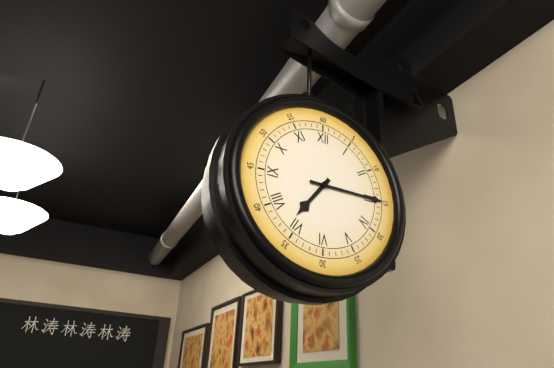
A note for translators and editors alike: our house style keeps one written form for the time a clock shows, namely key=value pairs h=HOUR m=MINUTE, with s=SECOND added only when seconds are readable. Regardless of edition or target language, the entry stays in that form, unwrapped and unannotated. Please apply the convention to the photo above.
h=7 m=15
